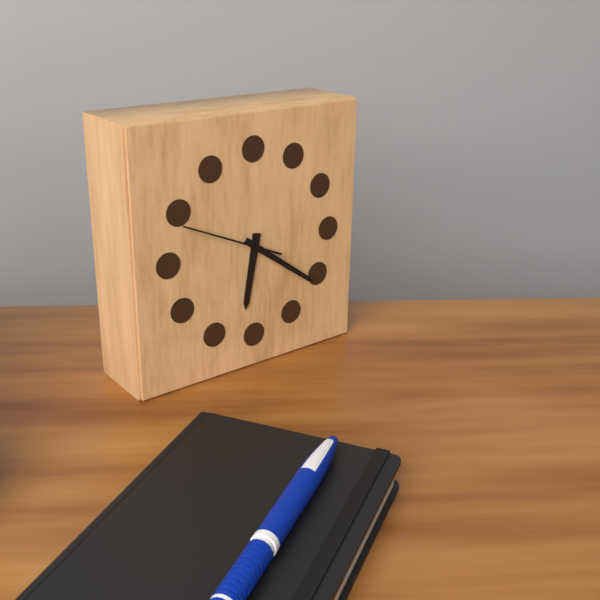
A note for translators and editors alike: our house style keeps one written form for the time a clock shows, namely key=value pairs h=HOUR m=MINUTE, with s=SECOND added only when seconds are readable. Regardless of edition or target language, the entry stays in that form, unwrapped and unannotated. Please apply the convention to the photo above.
h=6 m=21 s=49
